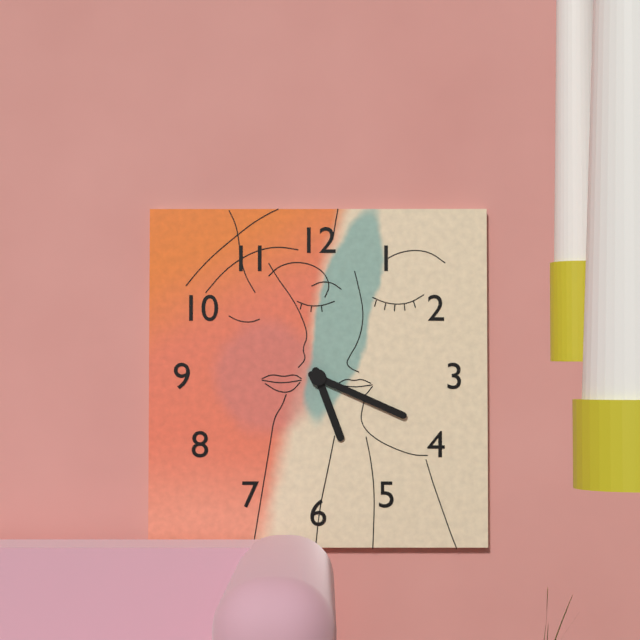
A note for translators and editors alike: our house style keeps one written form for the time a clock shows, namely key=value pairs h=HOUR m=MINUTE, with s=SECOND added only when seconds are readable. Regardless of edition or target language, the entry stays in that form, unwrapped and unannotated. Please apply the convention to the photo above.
h=5 m=19
